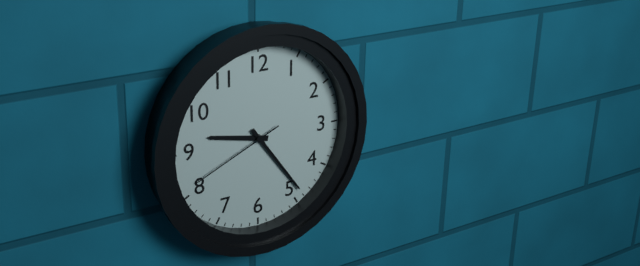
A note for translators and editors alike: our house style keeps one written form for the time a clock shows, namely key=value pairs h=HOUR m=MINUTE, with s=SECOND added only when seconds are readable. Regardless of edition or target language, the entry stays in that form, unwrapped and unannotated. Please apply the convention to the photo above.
h=9 m=24 s=41
